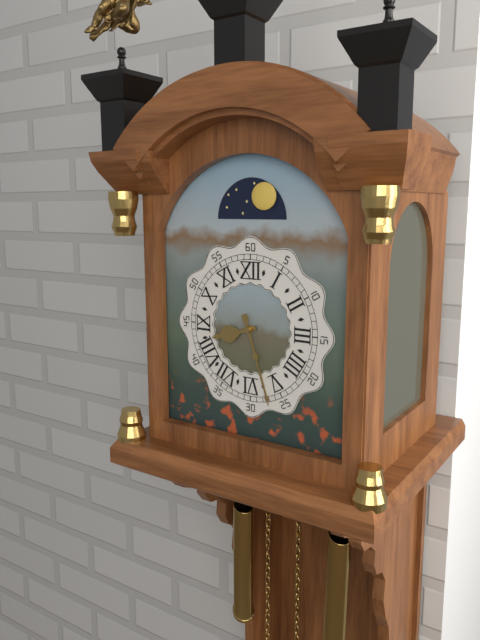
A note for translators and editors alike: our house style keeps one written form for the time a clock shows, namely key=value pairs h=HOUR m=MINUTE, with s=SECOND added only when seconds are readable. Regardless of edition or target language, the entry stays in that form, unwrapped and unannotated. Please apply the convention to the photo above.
h=8 m=27
